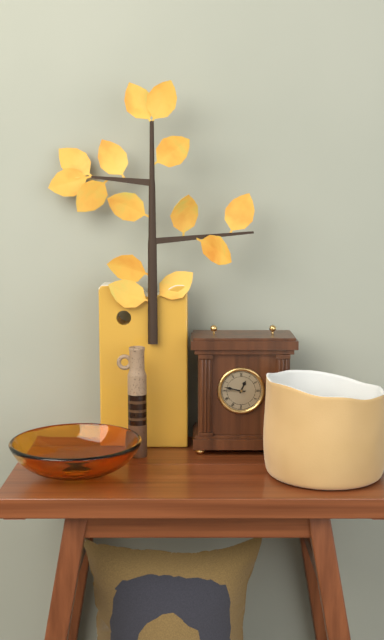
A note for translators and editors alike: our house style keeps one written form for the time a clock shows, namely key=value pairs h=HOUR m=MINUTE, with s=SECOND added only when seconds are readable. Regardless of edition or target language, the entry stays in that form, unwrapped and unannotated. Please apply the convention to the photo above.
h=12 m=47
